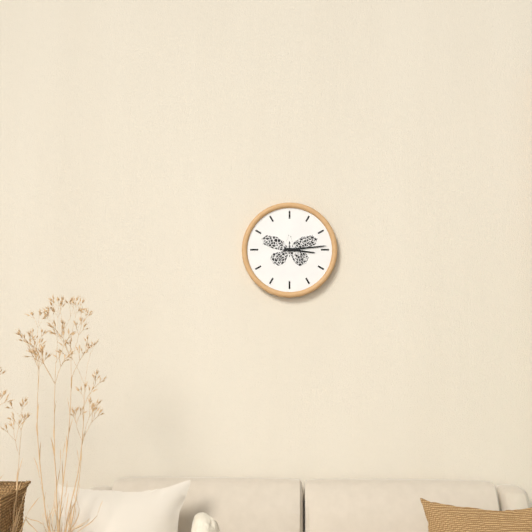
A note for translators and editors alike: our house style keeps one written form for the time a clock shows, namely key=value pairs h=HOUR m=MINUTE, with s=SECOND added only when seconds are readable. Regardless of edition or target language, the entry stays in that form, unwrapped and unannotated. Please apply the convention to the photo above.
h=3 m=14
